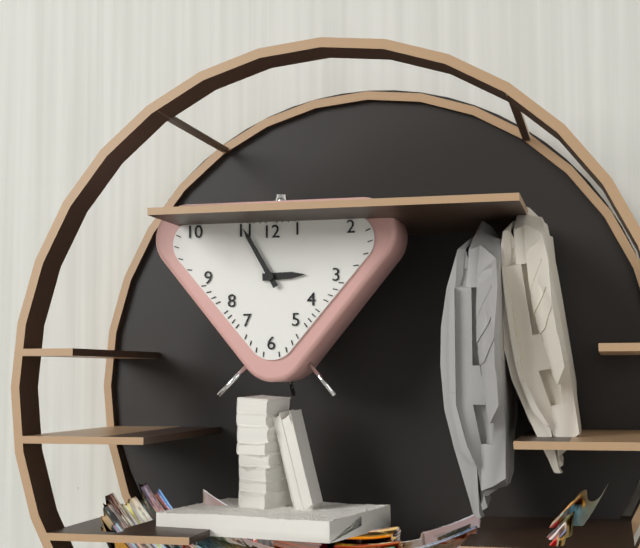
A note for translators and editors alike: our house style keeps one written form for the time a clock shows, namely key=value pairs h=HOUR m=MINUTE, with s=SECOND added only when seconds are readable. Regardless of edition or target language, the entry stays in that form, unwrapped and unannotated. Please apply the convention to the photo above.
h=2 m=55
